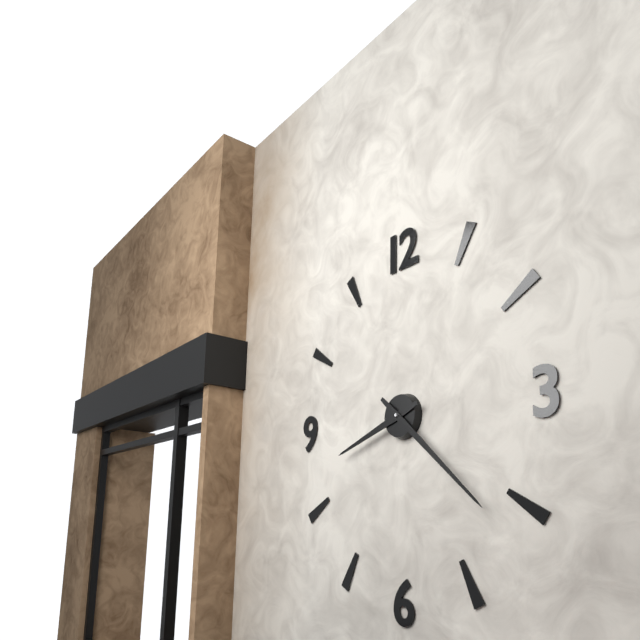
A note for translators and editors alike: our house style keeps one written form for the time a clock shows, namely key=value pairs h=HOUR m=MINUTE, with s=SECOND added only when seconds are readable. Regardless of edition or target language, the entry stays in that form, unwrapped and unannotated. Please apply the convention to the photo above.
h=8 m=22
